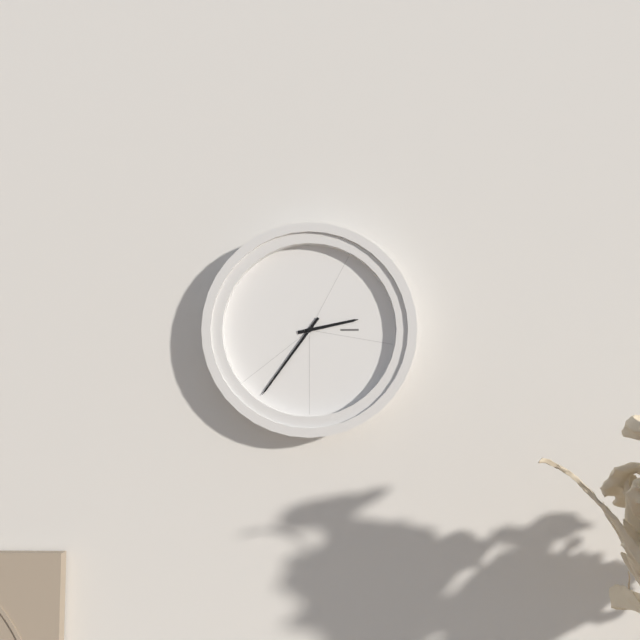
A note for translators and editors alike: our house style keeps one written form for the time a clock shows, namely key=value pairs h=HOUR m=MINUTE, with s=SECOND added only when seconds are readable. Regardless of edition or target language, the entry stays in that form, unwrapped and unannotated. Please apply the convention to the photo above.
h=2 m=36
